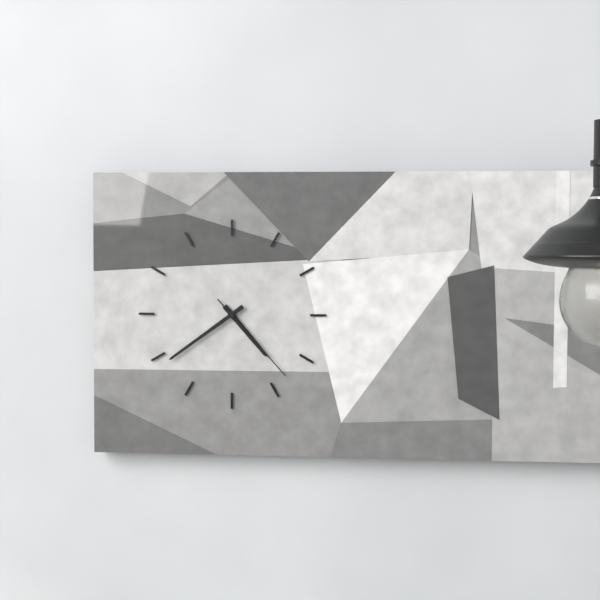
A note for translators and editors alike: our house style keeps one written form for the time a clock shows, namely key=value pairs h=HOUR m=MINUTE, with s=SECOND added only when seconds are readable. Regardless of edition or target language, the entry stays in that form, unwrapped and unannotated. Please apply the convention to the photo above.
h=4 m=39 s=23
